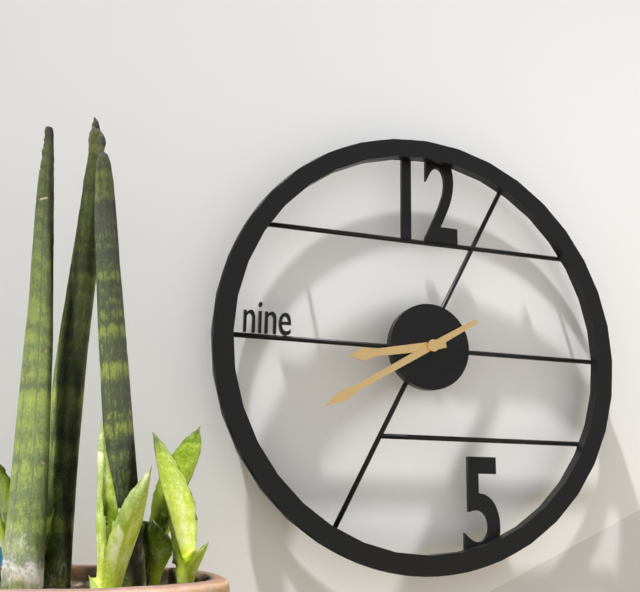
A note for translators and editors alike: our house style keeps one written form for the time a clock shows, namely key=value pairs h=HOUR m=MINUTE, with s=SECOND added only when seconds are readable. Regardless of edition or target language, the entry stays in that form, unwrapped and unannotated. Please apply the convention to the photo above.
h=8 m=40
